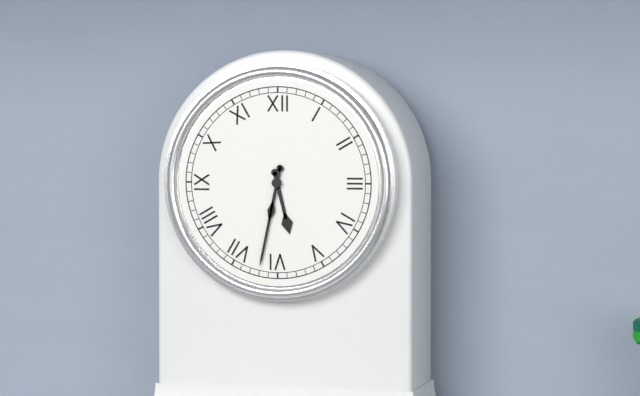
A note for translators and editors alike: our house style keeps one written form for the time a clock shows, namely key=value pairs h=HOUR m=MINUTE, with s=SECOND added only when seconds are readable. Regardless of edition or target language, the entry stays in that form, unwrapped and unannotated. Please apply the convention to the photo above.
h=5 m=32
